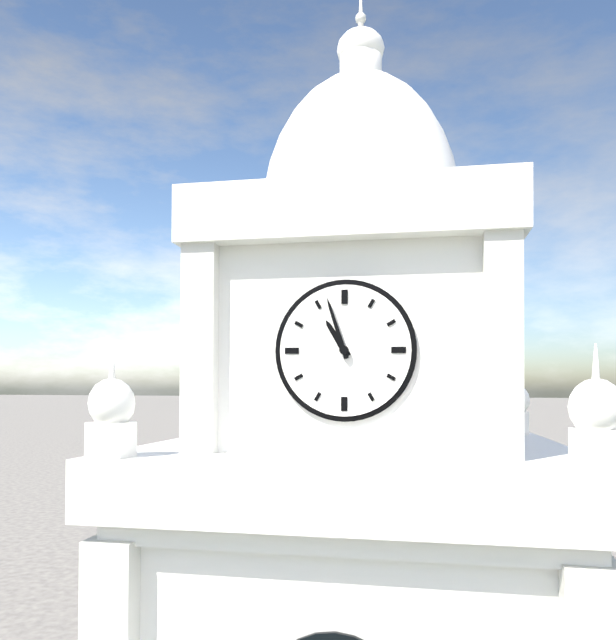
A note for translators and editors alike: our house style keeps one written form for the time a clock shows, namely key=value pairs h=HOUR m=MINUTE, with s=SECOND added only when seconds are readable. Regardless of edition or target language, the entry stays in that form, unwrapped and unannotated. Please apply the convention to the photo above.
h=10 m=57
